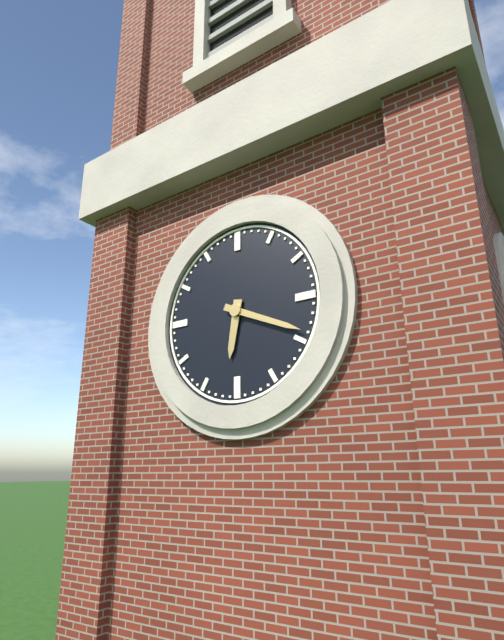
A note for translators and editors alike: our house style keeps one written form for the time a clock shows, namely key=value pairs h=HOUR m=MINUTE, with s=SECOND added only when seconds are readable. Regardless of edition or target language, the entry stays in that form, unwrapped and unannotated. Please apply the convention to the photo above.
h=6 m=19
